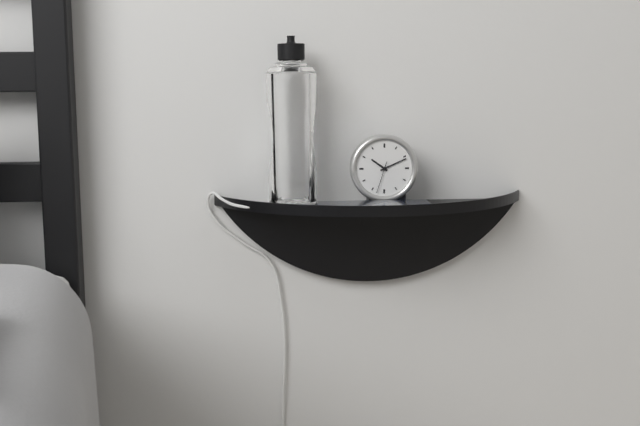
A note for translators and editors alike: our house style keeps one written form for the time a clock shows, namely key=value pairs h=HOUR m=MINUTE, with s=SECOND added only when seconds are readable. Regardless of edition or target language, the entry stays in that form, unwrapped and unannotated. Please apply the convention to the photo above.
h=10 m=11
